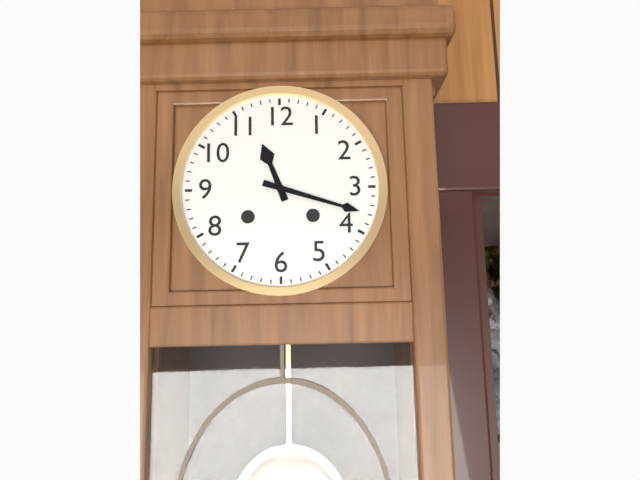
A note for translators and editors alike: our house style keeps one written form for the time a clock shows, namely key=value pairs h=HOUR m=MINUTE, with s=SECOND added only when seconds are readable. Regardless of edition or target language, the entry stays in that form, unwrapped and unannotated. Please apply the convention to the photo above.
h=11 m=18
